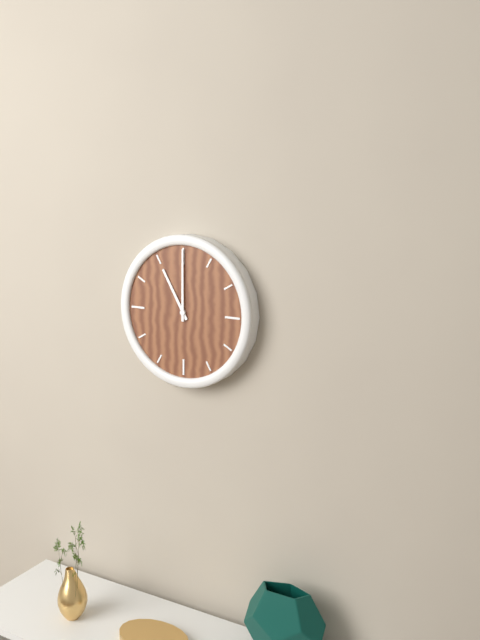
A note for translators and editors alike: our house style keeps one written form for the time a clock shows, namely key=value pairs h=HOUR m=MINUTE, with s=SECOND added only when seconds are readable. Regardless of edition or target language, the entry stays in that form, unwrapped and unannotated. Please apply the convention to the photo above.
h=11 m=0
